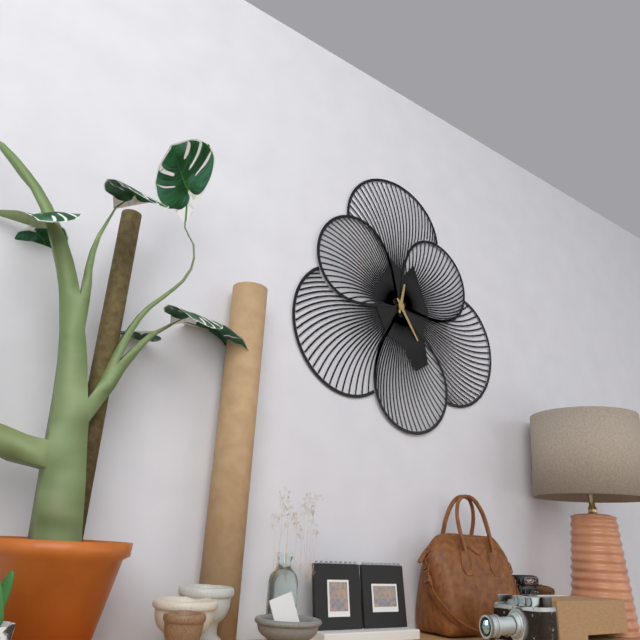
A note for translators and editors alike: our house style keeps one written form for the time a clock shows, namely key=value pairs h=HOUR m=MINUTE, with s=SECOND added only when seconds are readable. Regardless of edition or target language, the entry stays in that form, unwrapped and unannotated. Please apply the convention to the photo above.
h=12 m=24
